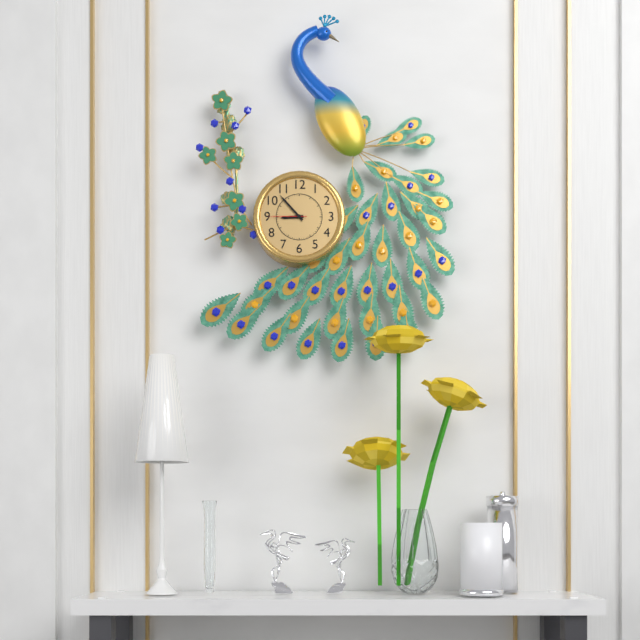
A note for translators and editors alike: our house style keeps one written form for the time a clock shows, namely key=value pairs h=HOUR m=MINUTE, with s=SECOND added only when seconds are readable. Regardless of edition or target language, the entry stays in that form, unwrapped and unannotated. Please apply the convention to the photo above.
h=8 m=53
